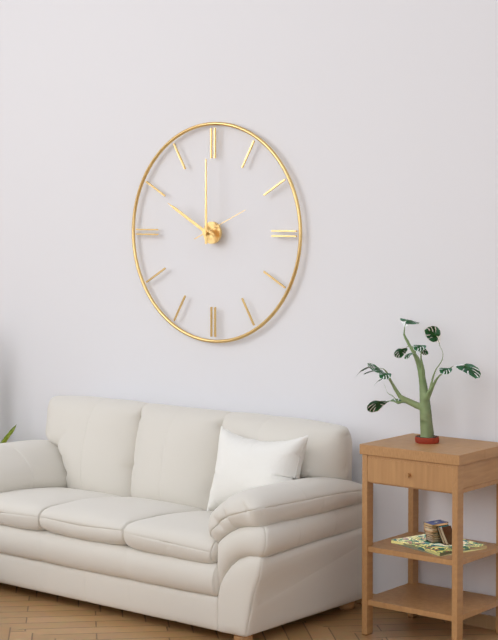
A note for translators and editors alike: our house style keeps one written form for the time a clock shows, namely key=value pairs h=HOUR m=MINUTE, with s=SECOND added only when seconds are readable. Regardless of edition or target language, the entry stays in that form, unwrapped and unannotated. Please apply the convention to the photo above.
h=10 m=0 s=11
